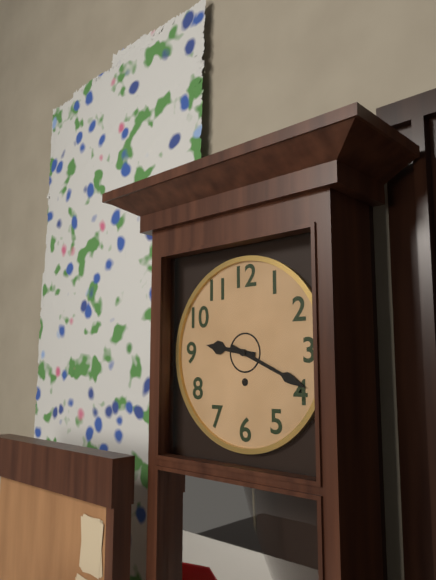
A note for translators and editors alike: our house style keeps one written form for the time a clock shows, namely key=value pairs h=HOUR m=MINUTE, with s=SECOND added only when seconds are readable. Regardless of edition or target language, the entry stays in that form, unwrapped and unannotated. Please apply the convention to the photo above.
h=9 m=19
